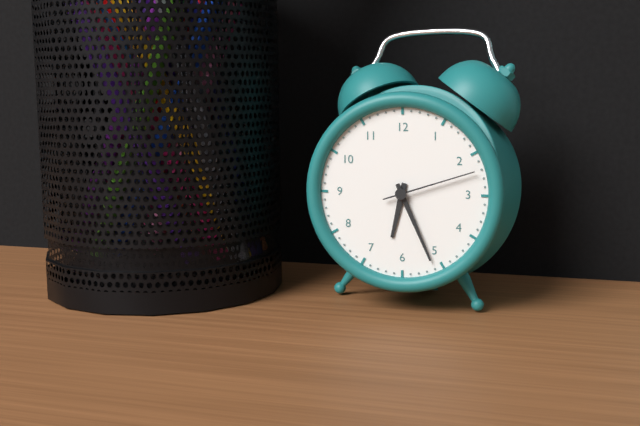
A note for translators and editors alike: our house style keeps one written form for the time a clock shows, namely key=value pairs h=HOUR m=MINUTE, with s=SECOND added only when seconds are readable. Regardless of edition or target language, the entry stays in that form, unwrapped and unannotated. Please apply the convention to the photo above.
h=6 m=26 s=12
